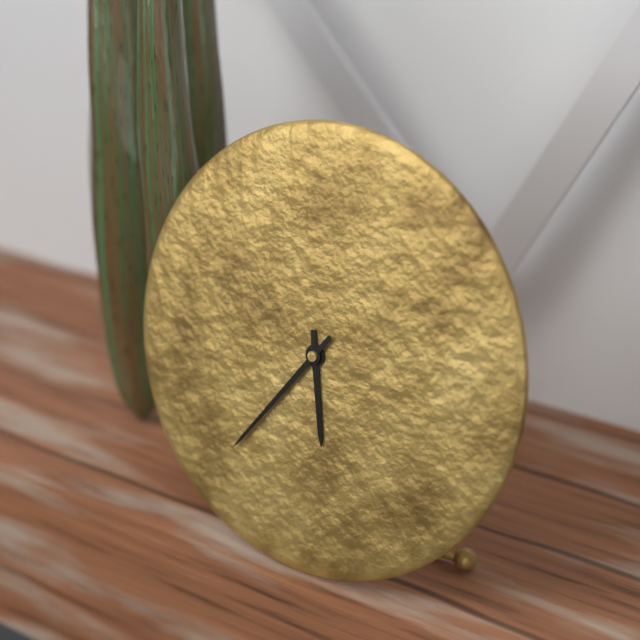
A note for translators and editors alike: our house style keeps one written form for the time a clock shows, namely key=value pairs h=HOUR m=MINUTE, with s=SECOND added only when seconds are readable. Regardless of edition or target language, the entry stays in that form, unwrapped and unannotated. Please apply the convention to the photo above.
h=5 m=36
